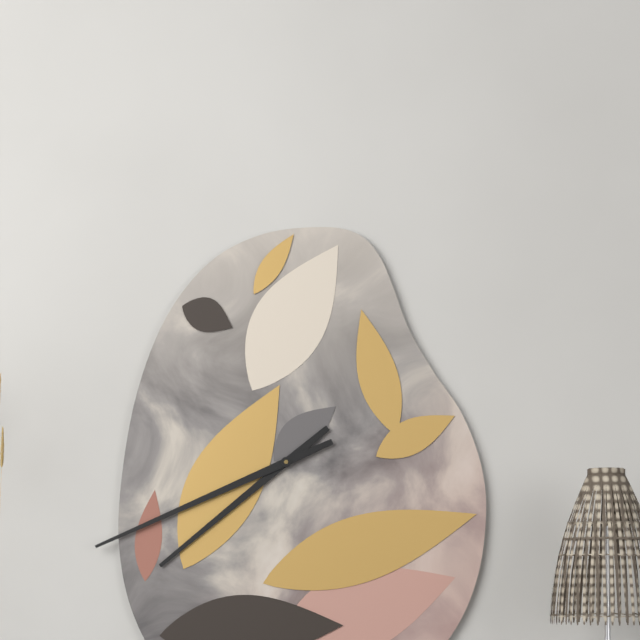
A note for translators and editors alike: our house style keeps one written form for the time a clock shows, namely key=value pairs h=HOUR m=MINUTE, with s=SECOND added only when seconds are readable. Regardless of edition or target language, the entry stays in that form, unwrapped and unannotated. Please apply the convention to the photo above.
h=7 m=41
